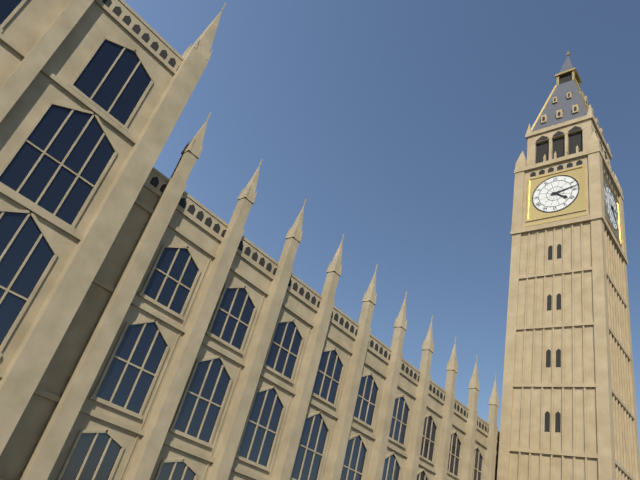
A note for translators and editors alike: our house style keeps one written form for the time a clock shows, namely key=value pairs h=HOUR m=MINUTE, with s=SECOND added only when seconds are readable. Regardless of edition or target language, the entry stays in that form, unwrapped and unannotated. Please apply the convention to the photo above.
h=4 m=13
